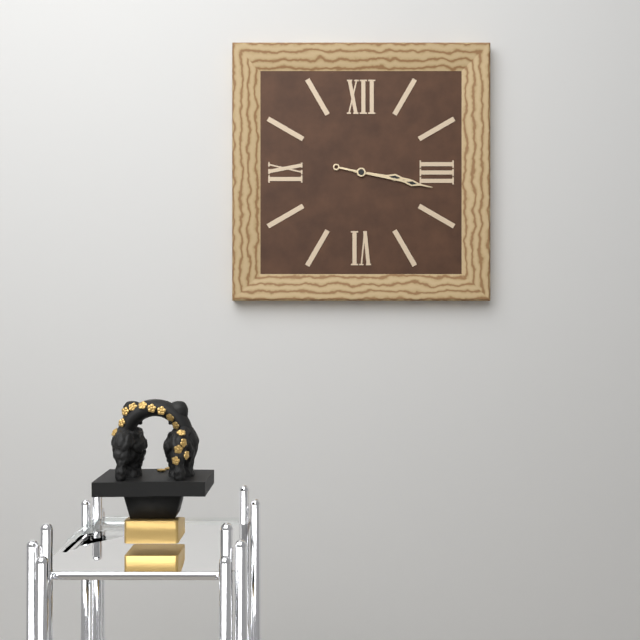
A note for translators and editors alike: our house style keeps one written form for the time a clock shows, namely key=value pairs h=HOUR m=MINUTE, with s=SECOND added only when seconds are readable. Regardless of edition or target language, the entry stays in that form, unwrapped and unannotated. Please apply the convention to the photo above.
h=3 m=17
